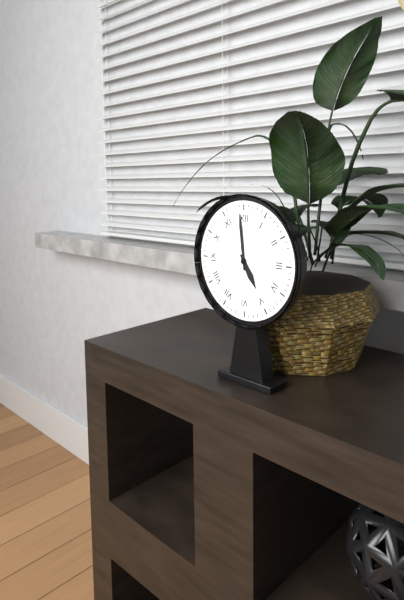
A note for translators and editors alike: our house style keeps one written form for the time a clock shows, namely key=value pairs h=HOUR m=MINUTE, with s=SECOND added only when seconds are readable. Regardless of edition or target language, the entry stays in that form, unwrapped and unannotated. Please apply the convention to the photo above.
h=4 m=59
